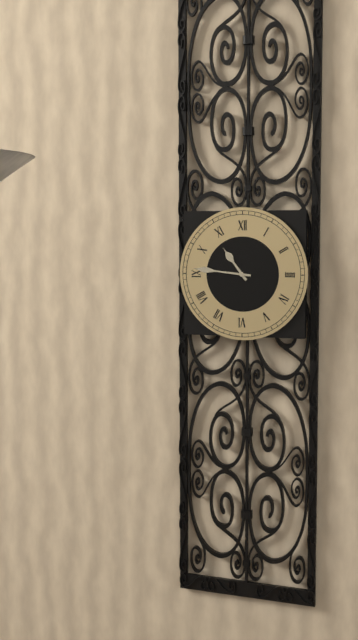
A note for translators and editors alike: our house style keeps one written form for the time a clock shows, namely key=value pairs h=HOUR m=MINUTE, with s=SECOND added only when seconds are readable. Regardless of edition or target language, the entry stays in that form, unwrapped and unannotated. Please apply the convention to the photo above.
h=10 m=46
